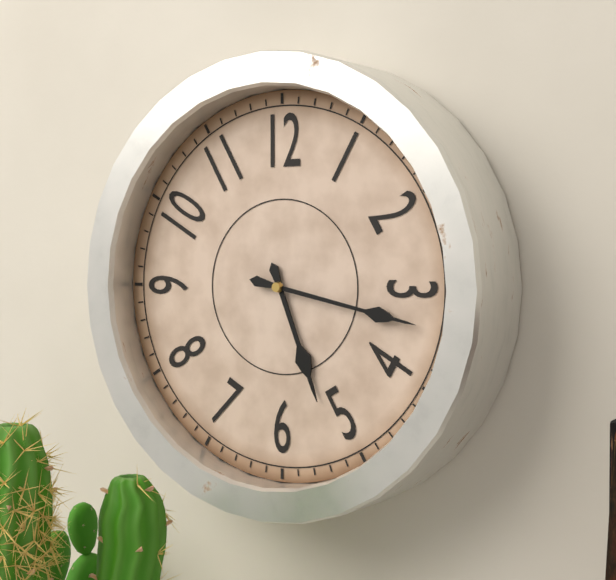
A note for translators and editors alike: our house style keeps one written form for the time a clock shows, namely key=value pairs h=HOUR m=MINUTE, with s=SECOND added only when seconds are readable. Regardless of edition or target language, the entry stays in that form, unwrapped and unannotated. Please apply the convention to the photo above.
h=5 m=17
